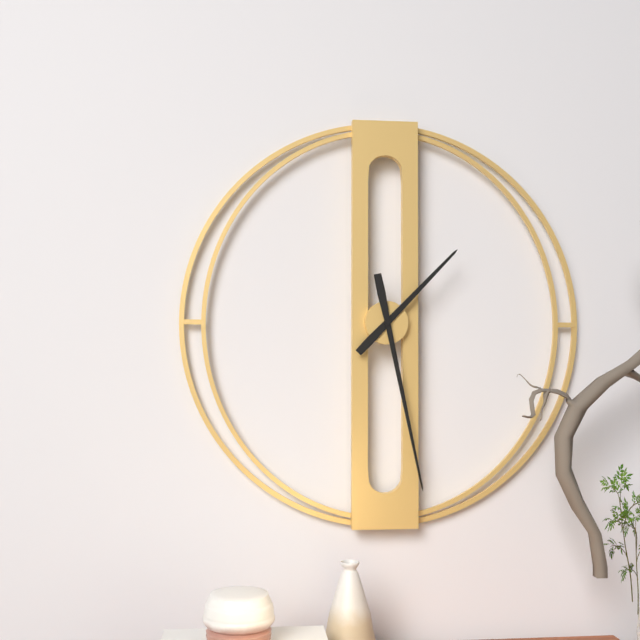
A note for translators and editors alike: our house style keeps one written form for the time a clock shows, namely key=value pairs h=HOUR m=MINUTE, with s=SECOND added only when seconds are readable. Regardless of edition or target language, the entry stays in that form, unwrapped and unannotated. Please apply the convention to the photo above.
h=1 m=28
